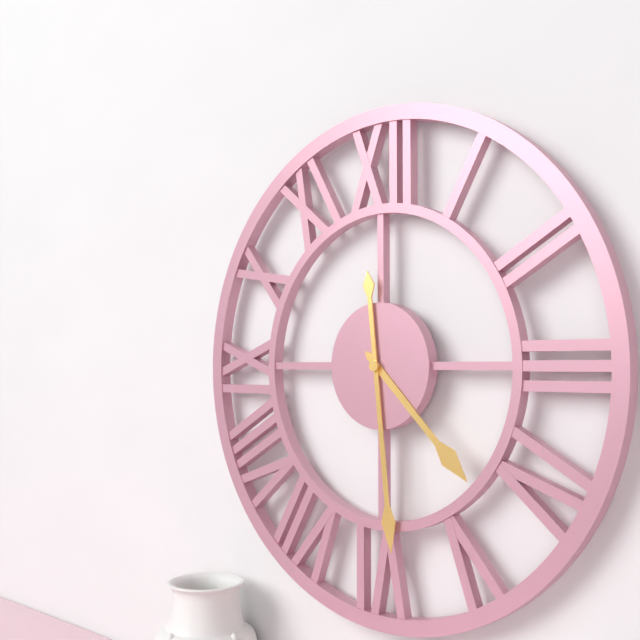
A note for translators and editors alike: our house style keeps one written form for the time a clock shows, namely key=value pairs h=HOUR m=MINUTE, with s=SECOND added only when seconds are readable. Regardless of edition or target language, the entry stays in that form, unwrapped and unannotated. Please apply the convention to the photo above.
h=4 m=29
